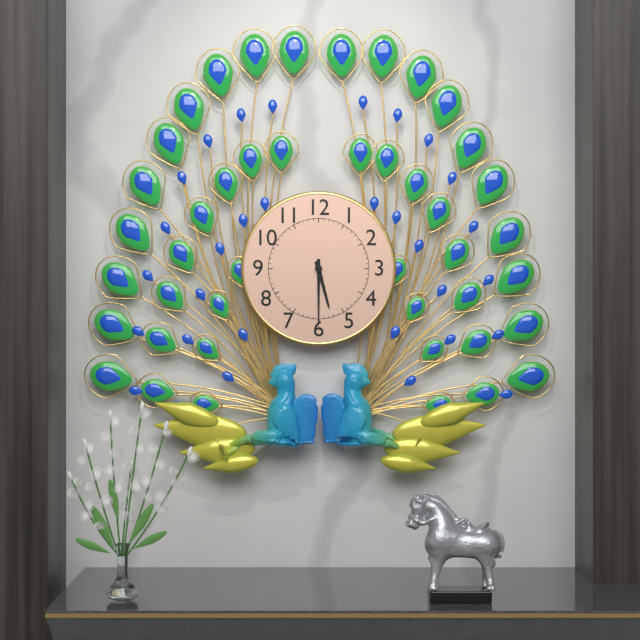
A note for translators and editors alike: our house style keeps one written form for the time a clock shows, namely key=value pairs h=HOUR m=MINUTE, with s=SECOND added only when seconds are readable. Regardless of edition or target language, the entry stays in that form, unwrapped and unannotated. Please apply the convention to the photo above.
h=5 m=30
